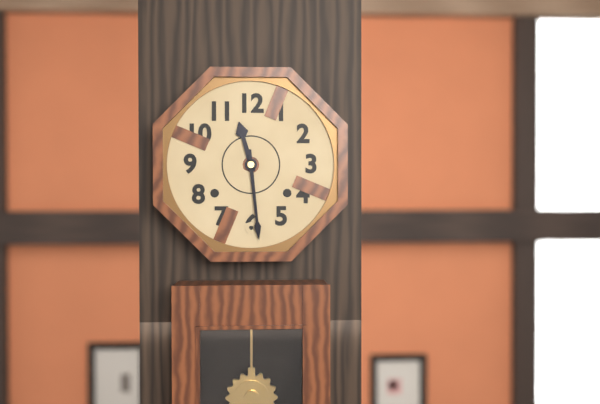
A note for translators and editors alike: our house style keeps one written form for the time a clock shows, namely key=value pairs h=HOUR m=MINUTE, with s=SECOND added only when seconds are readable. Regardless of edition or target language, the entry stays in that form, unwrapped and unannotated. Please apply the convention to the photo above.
h=11 m=29
